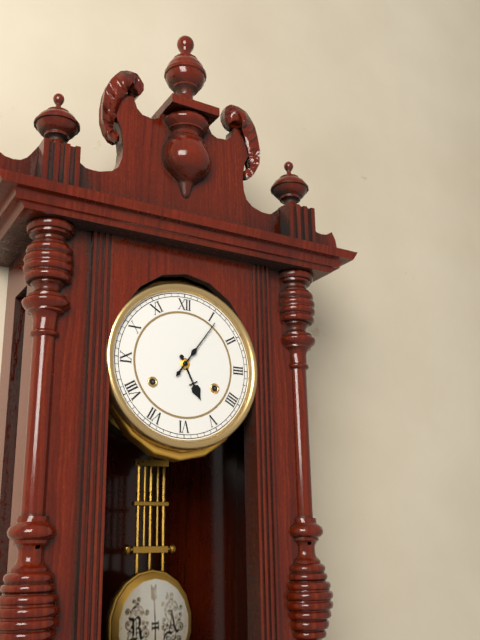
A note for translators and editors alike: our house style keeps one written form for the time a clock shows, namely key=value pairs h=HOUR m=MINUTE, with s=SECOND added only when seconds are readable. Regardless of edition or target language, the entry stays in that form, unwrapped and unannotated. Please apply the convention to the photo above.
h=5 m=6
